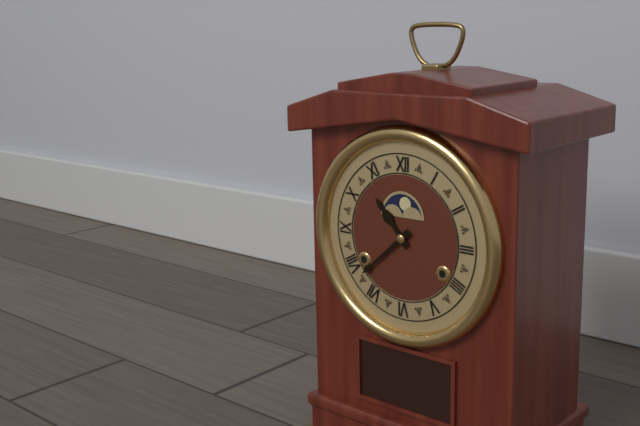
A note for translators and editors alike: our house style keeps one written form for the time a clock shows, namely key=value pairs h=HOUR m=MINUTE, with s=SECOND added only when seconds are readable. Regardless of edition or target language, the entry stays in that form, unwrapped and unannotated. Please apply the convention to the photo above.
h=10 m=38
